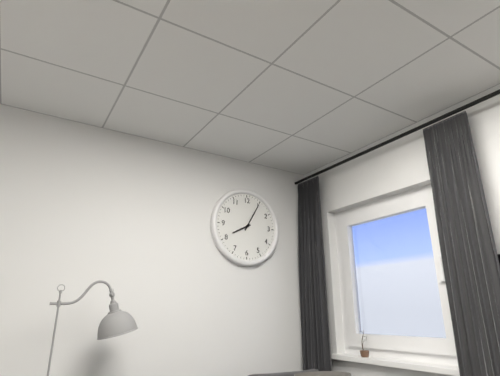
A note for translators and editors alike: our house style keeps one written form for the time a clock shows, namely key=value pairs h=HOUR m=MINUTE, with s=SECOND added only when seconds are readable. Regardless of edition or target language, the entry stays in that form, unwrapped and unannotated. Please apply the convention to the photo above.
h=8 m=5
